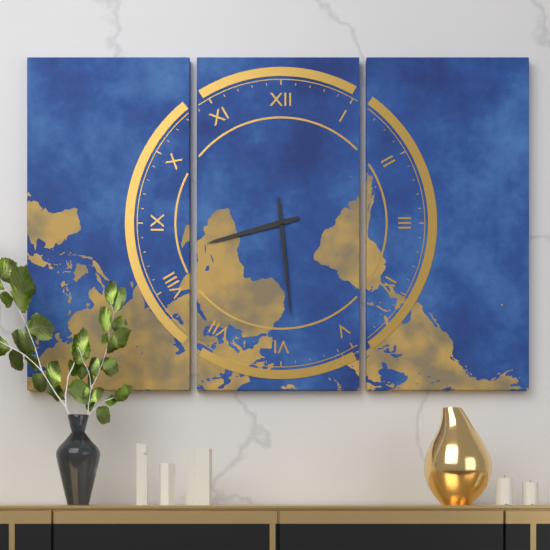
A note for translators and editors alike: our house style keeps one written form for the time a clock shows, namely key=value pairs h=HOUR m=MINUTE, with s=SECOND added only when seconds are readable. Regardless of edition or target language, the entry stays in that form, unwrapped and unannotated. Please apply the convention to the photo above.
h=8 m=29
